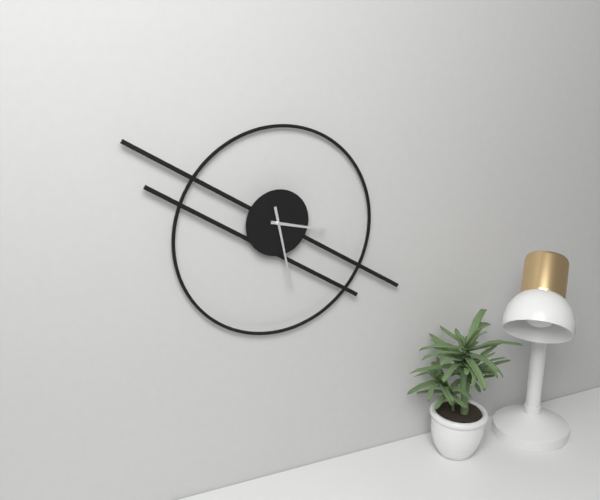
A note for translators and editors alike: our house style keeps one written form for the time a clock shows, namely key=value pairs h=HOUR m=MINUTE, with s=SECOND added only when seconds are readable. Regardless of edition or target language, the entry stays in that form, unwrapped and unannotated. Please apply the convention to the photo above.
h=3 m=28
